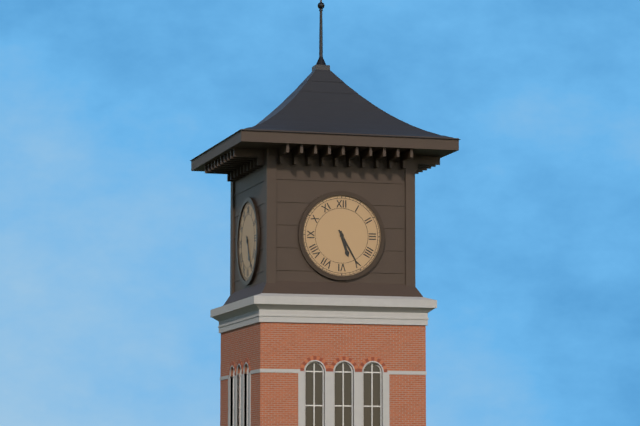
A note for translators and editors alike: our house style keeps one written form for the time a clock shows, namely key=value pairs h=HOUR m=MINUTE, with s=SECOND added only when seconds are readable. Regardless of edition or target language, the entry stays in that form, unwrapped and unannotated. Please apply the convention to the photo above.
h=5 m=25
